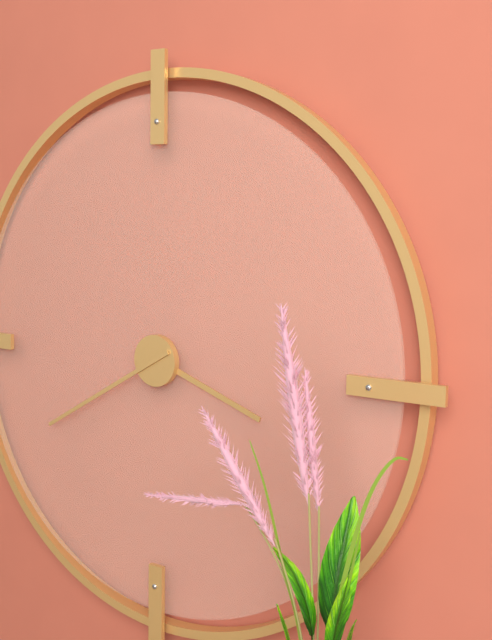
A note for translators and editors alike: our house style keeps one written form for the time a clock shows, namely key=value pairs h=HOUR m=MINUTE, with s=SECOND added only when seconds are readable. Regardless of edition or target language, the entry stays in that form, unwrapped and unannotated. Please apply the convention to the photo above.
h=3 m=40
